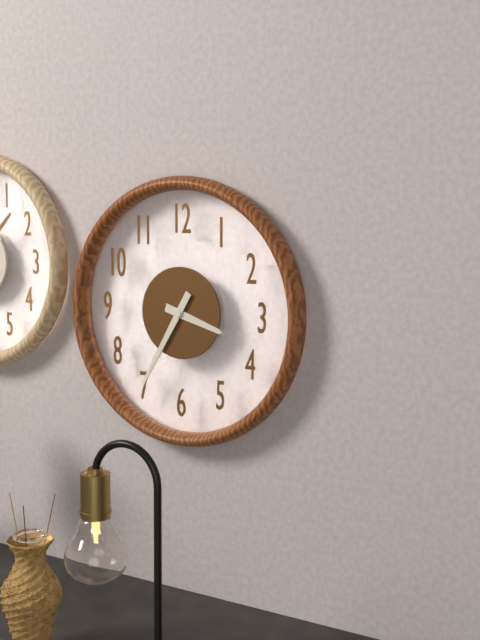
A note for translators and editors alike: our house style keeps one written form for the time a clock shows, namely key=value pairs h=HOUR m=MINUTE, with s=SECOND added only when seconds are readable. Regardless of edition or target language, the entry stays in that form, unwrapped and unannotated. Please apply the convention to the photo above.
h=3 m=35
